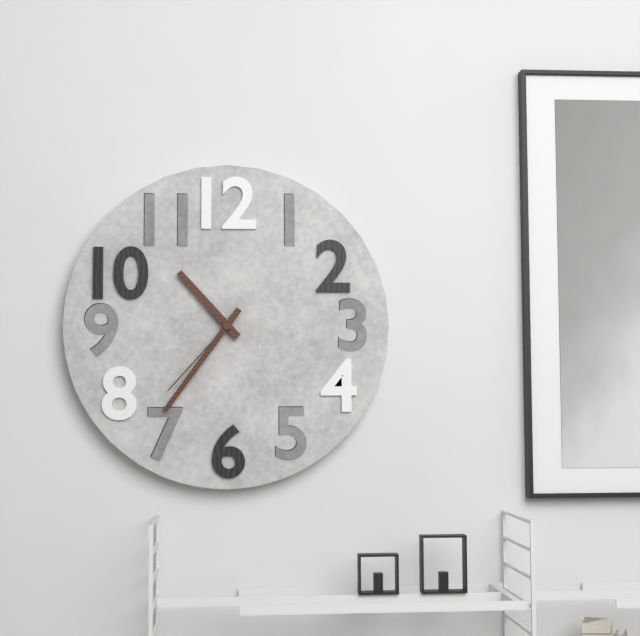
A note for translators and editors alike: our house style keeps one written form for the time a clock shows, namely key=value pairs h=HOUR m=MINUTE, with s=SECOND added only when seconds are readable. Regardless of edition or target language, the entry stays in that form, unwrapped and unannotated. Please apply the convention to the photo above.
h=10 m=36 s=37
